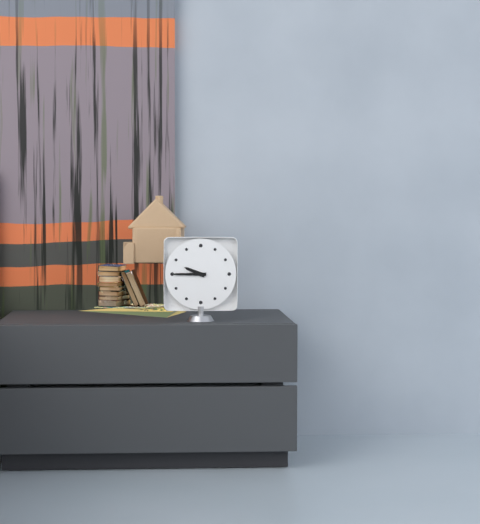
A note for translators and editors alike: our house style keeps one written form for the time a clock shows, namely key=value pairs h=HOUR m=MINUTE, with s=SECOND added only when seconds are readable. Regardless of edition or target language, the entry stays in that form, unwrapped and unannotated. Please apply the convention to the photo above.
h=9 m=45
